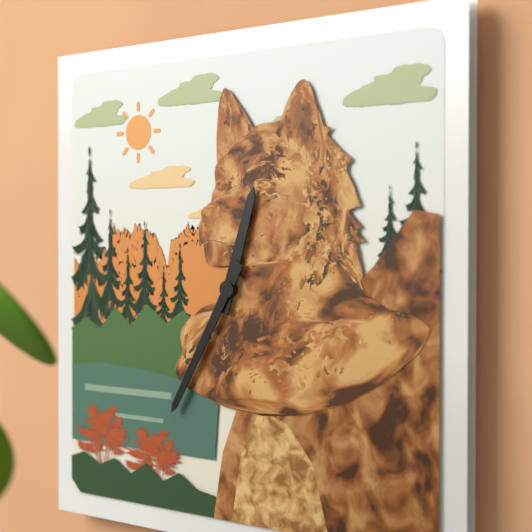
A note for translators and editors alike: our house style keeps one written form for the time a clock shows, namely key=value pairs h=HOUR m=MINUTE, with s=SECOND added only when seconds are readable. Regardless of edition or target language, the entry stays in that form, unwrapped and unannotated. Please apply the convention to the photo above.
h=12 m=35
